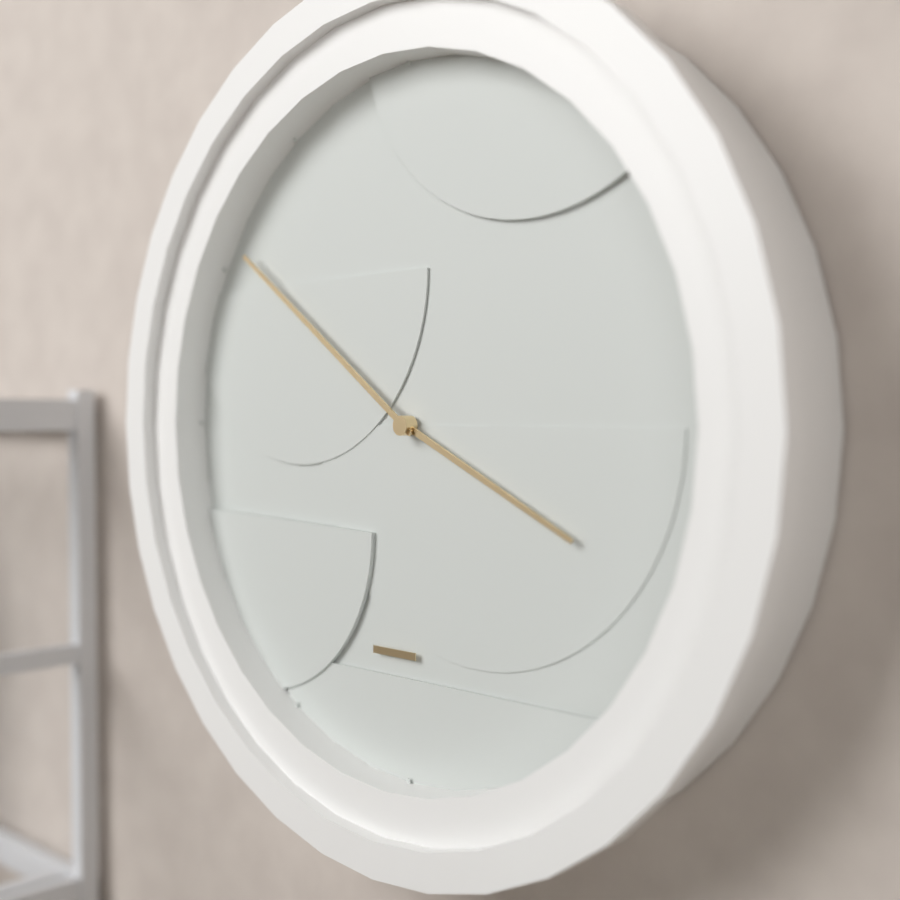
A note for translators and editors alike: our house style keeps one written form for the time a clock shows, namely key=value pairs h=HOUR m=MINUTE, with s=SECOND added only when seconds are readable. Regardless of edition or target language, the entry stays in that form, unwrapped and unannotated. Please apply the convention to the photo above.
h=3 m=51
